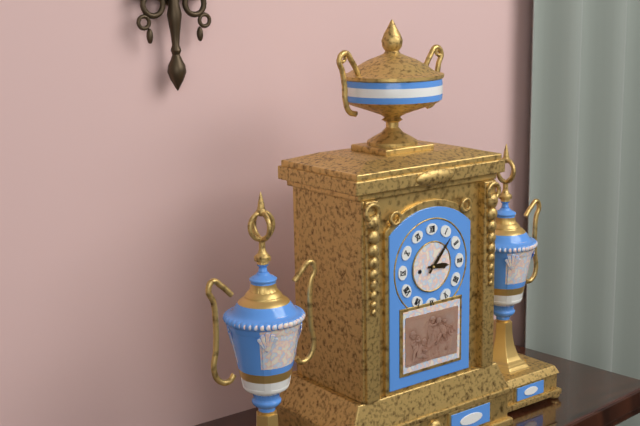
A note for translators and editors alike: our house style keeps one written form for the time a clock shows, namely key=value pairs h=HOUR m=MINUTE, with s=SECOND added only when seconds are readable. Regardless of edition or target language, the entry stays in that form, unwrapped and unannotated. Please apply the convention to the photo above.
h=3 m=7
